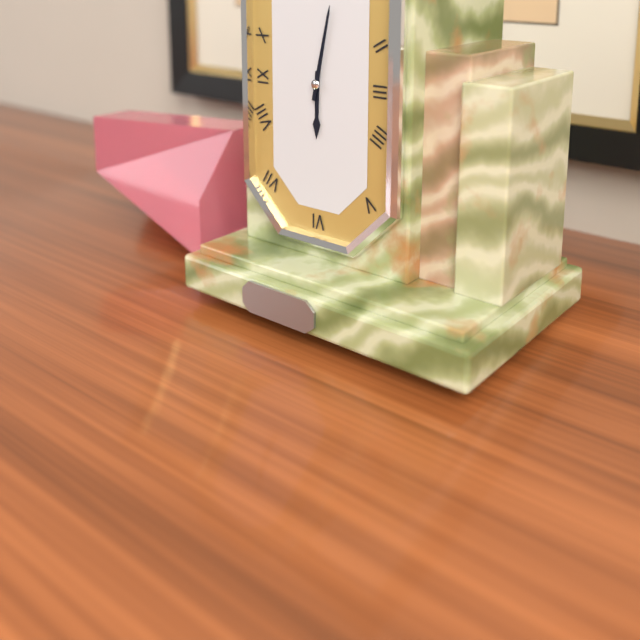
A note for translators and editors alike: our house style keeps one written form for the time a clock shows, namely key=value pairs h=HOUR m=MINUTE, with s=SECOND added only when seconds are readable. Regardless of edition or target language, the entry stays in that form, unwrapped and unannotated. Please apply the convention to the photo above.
h=6 m=2
